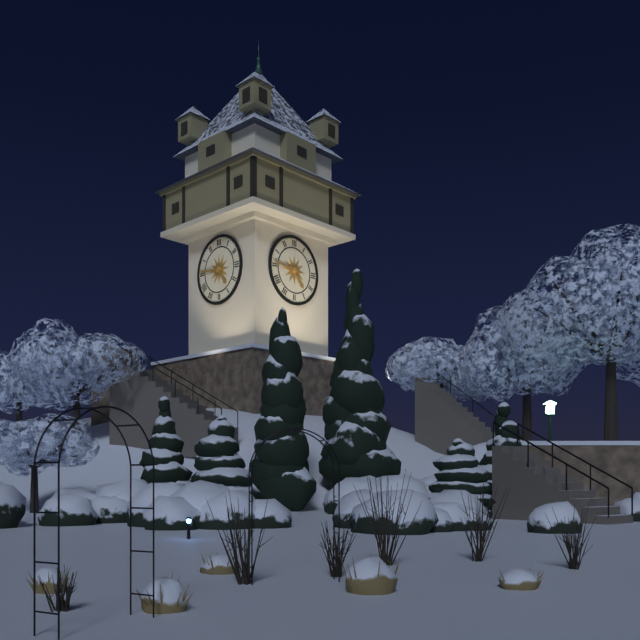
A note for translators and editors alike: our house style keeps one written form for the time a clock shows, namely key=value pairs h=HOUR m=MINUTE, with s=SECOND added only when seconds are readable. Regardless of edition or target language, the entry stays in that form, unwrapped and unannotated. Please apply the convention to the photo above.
h=4 m=46
